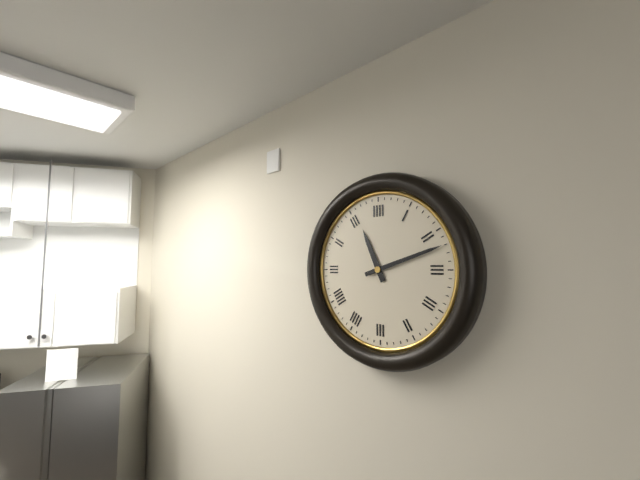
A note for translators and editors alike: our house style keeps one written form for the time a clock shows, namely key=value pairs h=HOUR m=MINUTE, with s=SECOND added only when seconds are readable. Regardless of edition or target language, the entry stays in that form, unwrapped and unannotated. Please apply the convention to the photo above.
h=11 m=12
